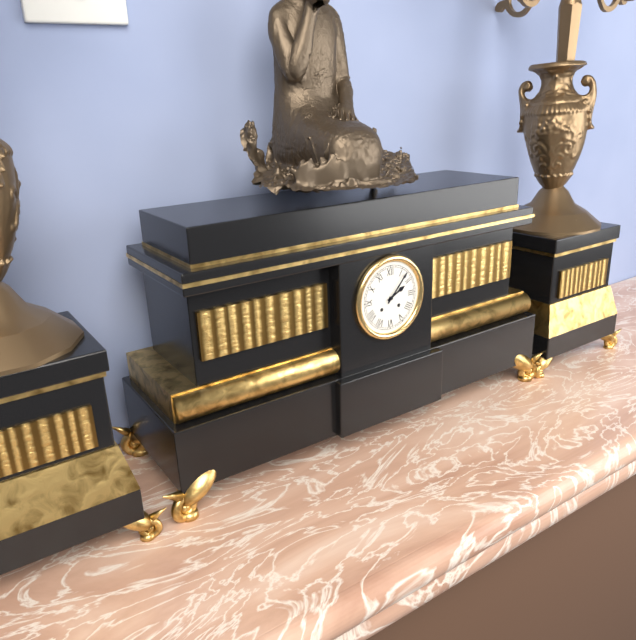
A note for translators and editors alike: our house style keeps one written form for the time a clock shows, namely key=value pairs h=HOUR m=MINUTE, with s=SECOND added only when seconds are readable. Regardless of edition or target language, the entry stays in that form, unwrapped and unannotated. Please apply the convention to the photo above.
h=2 m=7
